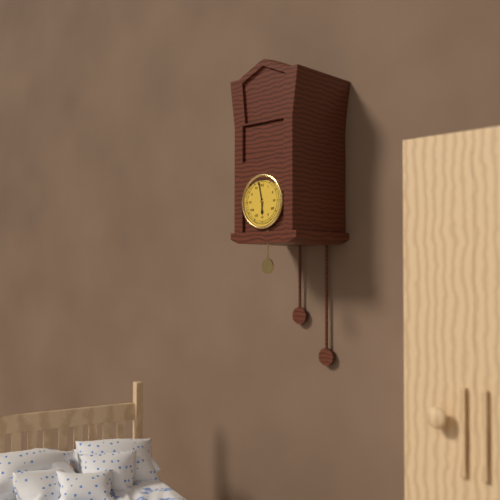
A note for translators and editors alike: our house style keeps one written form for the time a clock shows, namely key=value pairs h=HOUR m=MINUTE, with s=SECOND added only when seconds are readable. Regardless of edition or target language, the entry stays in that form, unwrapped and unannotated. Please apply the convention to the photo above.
h=5 m=58
